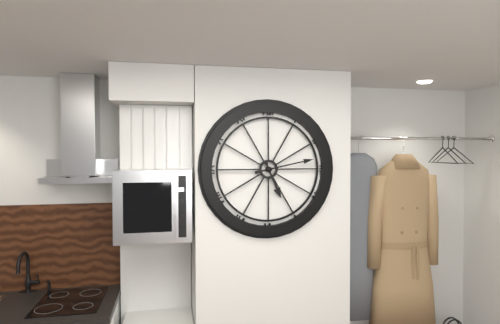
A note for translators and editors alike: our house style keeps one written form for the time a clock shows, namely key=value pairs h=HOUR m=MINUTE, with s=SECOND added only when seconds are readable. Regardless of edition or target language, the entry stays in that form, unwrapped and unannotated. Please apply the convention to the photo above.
h=5 m=13
